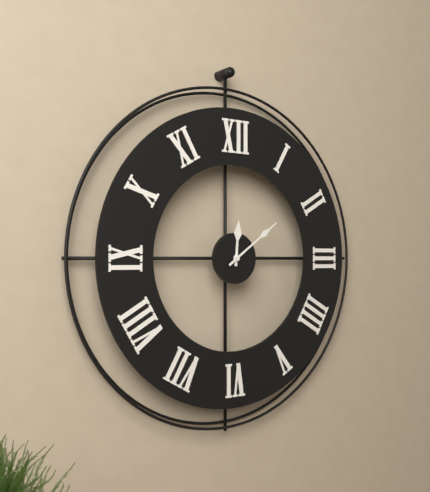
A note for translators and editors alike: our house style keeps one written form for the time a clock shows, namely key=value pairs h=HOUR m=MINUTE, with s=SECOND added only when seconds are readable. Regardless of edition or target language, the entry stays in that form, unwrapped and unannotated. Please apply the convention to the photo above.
h=12 m=9
